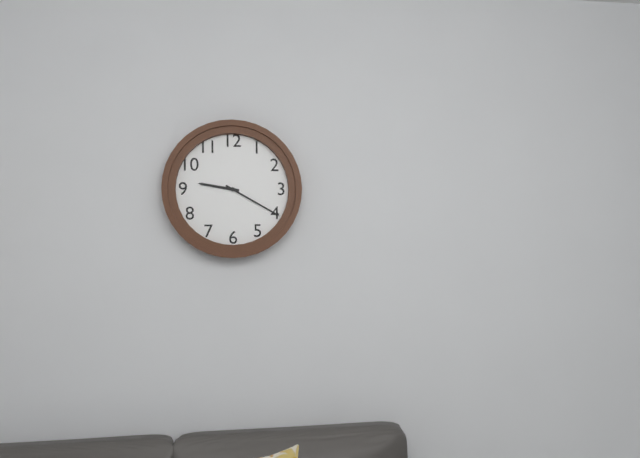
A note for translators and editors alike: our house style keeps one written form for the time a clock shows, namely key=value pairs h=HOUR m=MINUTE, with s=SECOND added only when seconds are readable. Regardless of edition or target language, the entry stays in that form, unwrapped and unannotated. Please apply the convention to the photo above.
h=9 m=20
